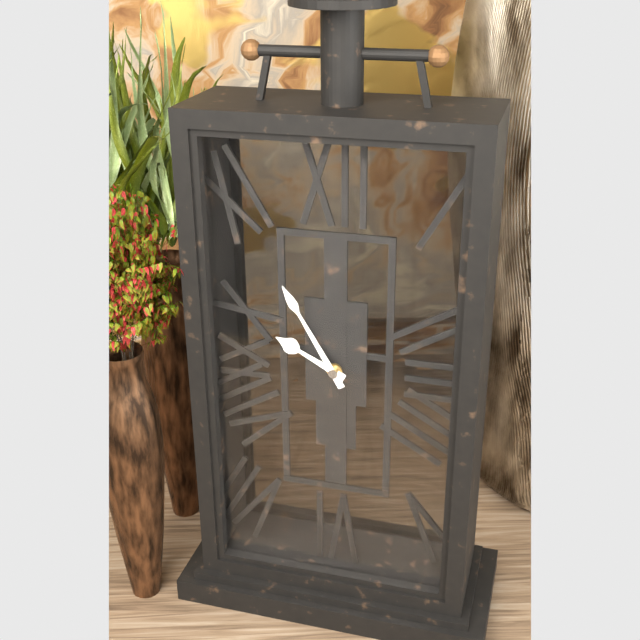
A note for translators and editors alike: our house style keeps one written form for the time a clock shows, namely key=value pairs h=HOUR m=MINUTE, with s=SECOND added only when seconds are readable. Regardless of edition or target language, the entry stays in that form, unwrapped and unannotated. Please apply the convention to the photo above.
h=9 m=55
